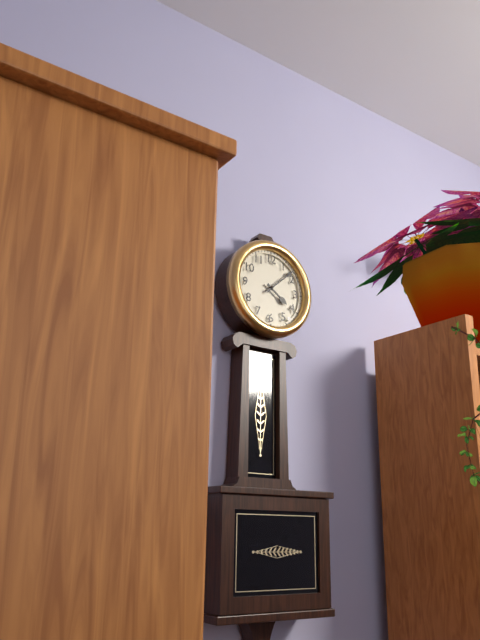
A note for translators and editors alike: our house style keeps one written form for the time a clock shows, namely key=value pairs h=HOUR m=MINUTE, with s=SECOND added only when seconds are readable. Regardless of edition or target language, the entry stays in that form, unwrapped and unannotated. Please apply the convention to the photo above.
h=4 m=8
